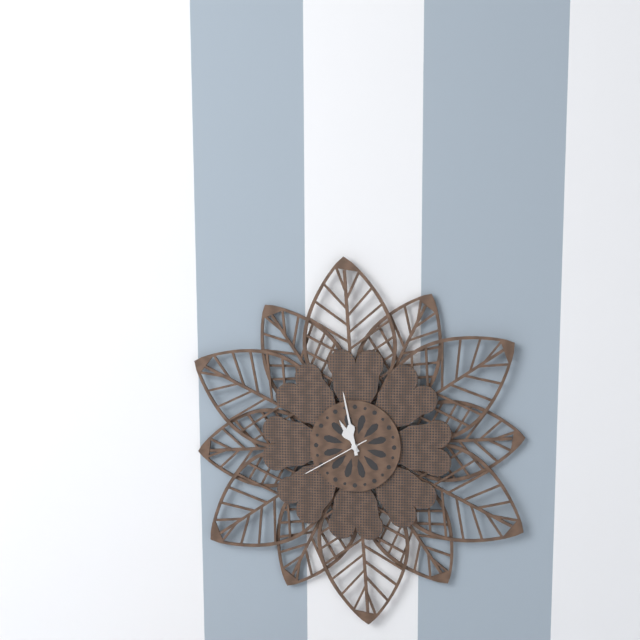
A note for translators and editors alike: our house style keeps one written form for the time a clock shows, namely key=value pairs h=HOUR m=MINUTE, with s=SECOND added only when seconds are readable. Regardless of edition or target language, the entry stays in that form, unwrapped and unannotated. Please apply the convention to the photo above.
h=10 m=58 s=40
